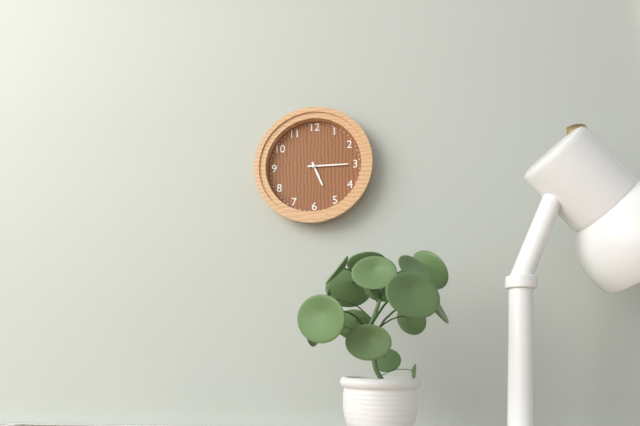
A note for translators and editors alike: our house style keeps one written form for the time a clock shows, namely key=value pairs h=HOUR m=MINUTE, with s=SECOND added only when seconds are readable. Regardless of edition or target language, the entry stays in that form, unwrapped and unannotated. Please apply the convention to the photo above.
h=5 m=15
